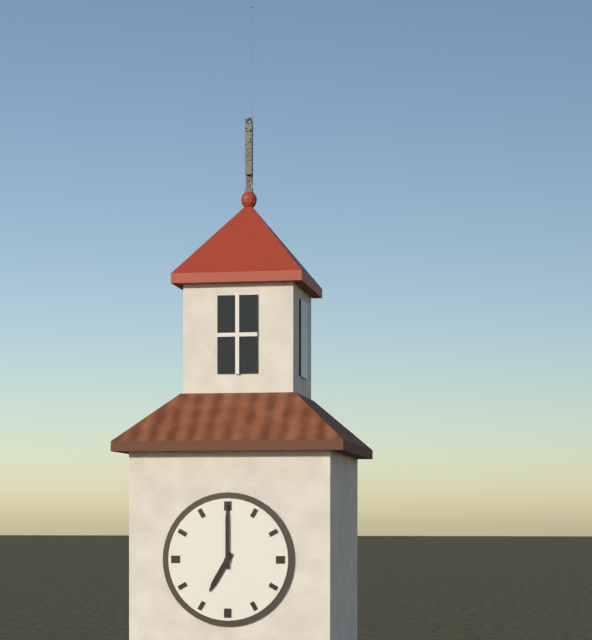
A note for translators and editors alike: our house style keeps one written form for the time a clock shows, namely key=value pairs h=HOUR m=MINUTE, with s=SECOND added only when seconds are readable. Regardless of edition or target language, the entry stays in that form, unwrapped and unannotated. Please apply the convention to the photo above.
h=7 m=0
